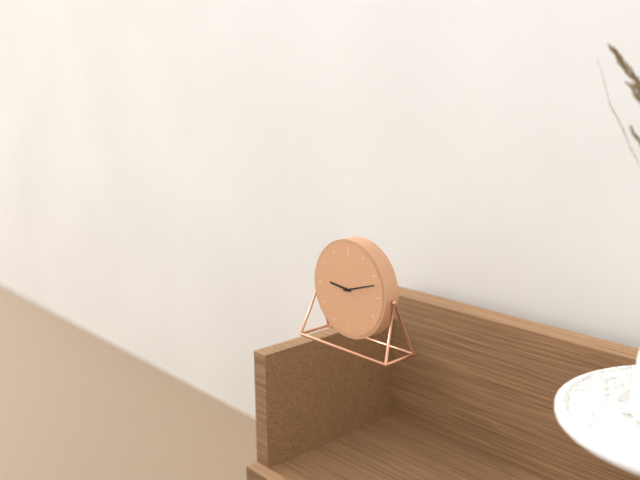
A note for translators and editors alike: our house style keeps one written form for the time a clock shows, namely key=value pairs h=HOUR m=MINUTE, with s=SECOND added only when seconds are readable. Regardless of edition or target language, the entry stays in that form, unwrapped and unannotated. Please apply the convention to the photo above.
h=9 m=12
